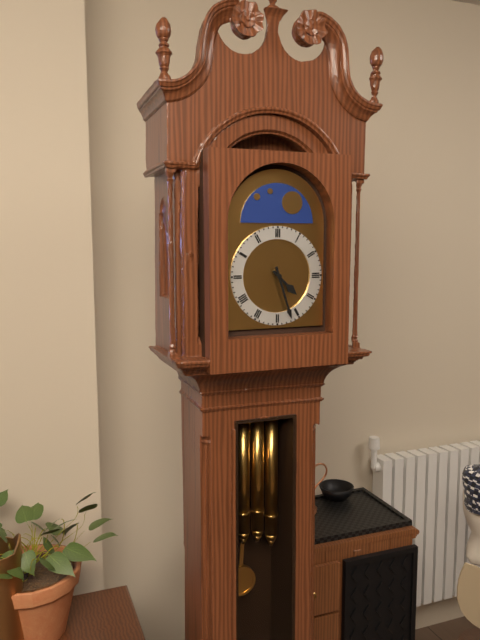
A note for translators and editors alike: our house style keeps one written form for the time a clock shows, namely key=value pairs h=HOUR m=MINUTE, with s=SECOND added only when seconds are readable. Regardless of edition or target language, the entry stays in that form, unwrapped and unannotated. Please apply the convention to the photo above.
h=4 m=27
